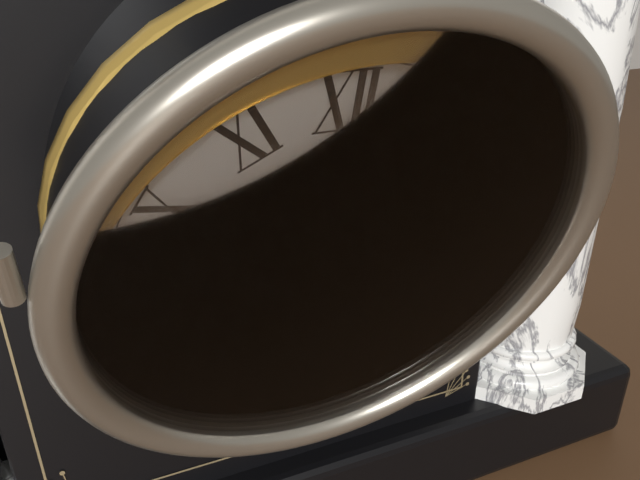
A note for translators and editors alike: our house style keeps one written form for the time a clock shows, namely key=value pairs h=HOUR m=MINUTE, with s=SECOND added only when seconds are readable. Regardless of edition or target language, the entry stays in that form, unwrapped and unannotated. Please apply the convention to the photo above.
h=6 m=43
